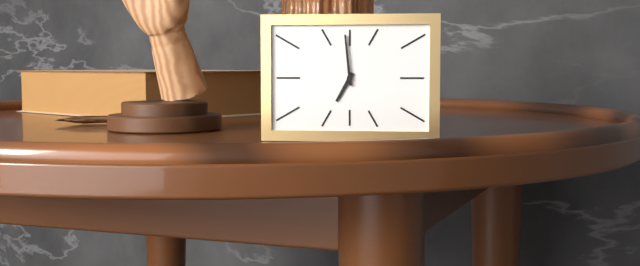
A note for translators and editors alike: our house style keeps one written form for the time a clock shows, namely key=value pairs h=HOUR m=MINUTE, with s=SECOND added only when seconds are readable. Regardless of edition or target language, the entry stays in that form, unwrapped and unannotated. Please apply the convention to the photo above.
h=6 m=59
